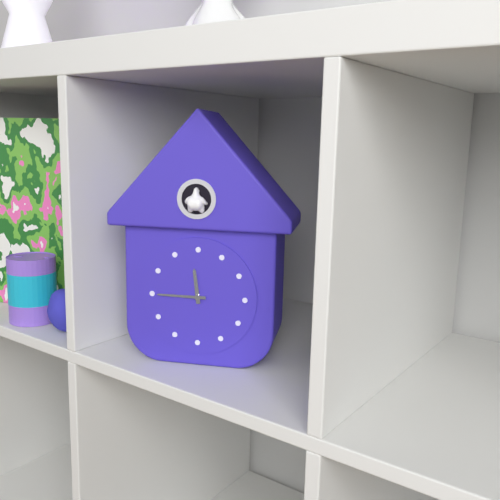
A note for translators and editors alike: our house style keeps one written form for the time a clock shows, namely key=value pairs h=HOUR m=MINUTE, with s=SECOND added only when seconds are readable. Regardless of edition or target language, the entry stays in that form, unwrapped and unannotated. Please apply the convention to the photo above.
h=11 m=45
